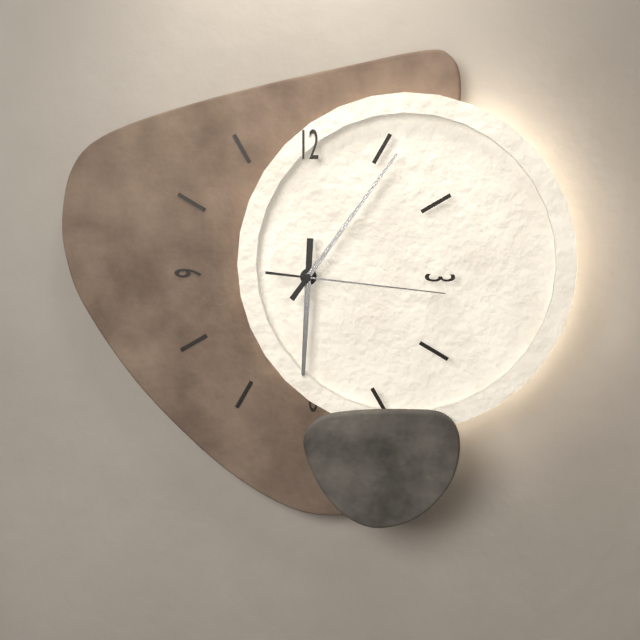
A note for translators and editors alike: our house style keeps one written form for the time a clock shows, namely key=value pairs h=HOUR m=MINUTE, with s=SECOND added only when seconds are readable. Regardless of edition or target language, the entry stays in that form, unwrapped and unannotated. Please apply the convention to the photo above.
h=6 m=6 s=16
